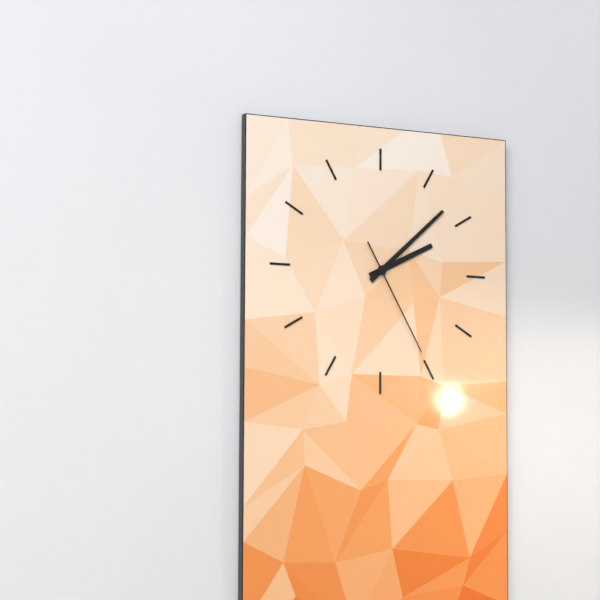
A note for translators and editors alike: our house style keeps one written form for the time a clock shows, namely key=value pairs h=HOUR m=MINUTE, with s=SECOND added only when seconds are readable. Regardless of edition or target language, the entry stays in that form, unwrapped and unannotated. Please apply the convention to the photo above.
h=2 m=8 s=25
